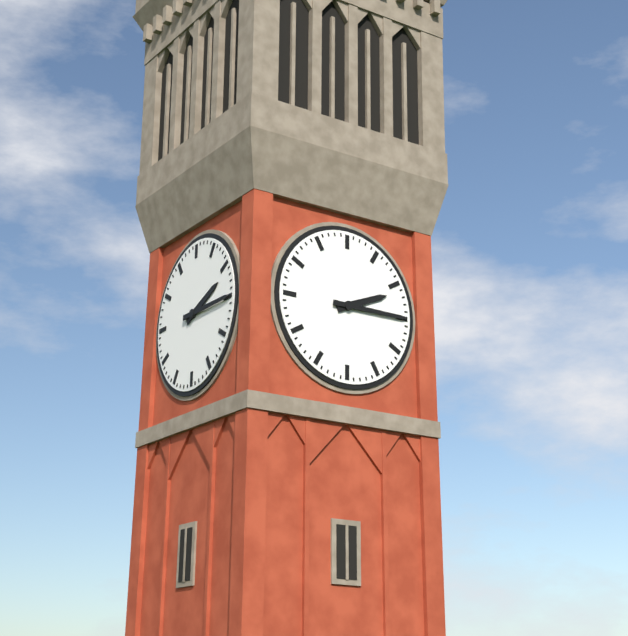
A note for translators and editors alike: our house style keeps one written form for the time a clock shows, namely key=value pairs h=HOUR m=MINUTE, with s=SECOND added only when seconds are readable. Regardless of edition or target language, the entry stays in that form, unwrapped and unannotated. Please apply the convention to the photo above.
h=2 m=15
